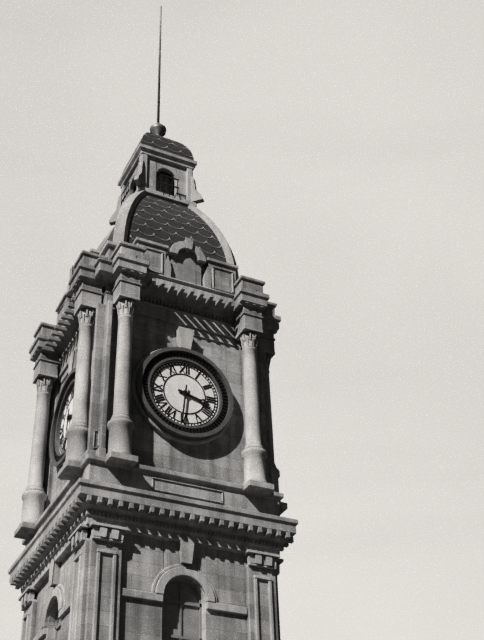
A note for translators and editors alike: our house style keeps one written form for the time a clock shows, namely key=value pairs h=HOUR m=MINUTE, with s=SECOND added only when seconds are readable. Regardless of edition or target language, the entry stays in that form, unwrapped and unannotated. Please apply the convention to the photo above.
h=3 m=31
